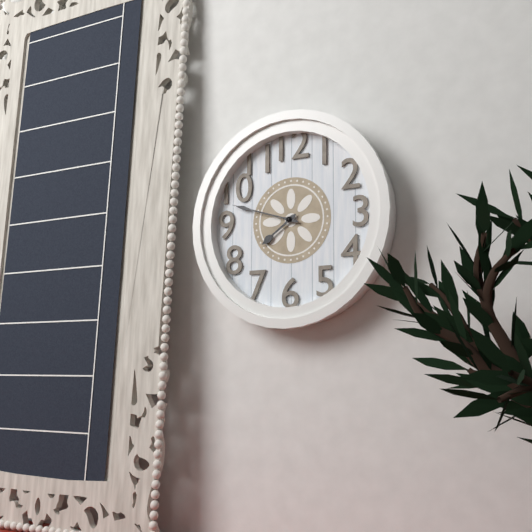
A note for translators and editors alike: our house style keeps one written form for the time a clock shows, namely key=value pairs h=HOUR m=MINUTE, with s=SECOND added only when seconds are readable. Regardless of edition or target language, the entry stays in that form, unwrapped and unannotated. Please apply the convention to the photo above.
h=7 m=48
